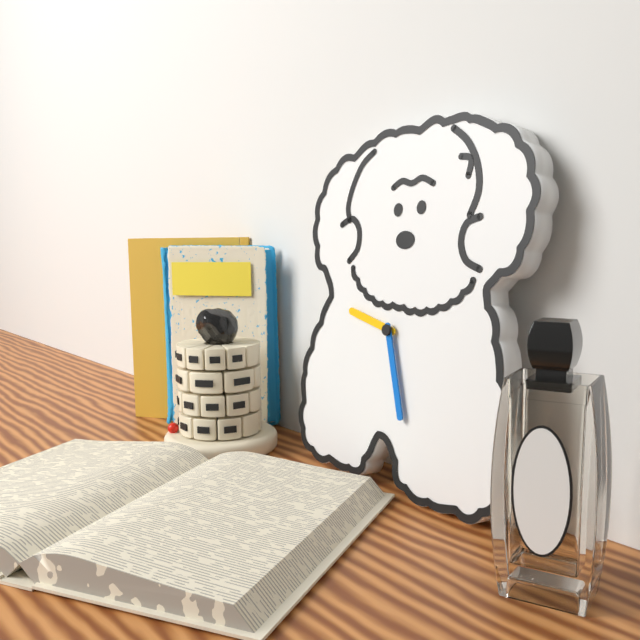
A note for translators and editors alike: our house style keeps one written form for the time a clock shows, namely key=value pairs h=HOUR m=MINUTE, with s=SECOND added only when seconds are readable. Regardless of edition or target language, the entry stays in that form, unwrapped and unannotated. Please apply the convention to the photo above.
h=9 m=27
